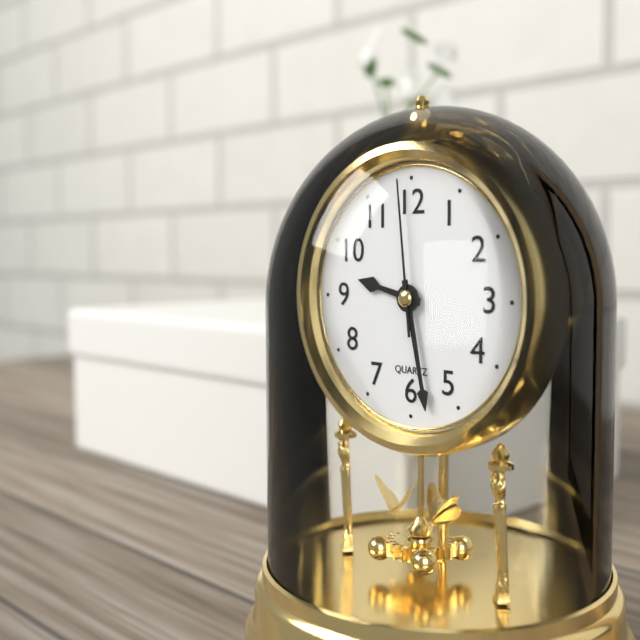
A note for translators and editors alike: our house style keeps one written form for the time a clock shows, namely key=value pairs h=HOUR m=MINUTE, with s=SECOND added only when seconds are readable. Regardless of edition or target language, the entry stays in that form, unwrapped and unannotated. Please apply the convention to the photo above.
h=9 m=28 s=59
